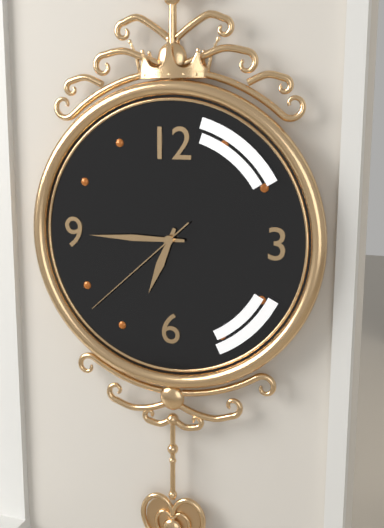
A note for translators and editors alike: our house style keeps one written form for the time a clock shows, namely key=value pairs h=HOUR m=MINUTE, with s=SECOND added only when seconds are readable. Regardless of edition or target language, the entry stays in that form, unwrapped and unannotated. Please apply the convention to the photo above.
h=6 m=45 s=38
